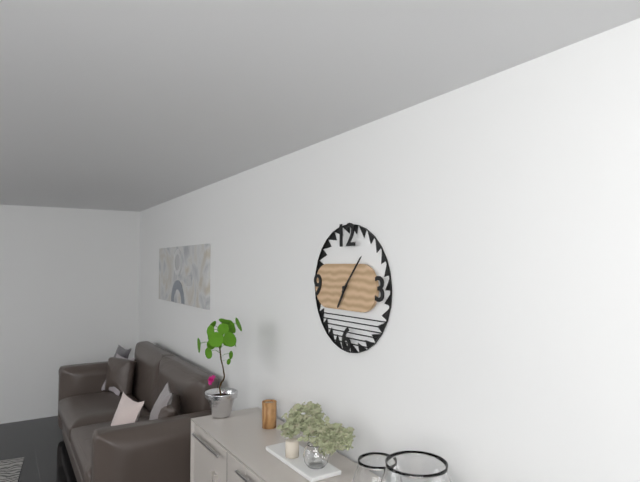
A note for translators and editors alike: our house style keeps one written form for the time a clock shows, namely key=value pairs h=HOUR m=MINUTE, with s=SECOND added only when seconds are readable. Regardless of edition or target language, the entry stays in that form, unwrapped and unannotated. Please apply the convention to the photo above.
h=7 m=7
